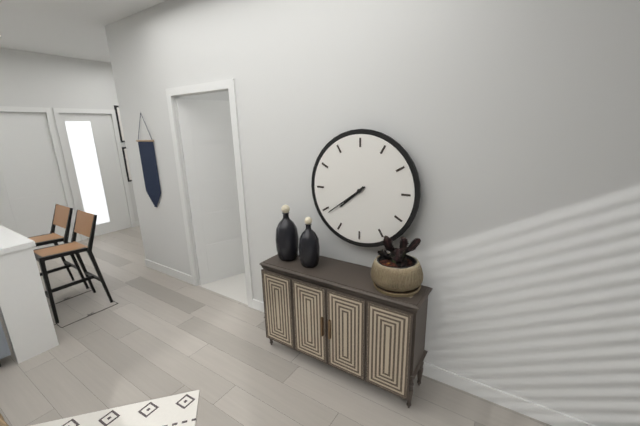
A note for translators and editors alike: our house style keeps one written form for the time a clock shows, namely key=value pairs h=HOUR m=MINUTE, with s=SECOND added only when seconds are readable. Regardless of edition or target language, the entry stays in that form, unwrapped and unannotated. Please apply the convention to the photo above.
h=7 m=39
